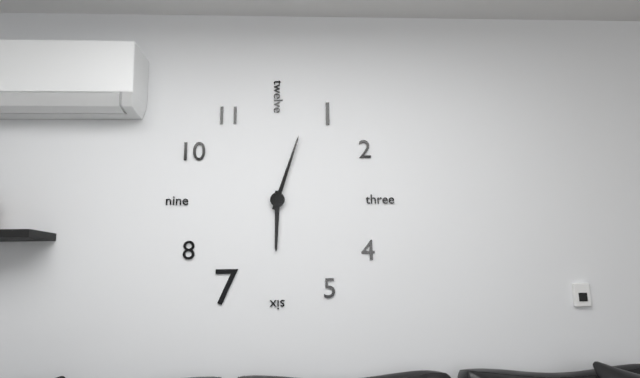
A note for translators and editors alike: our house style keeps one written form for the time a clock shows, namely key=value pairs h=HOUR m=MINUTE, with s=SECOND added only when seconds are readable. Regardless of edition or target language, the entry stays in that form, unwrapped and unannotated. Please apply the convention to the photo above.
h=6 m=3
